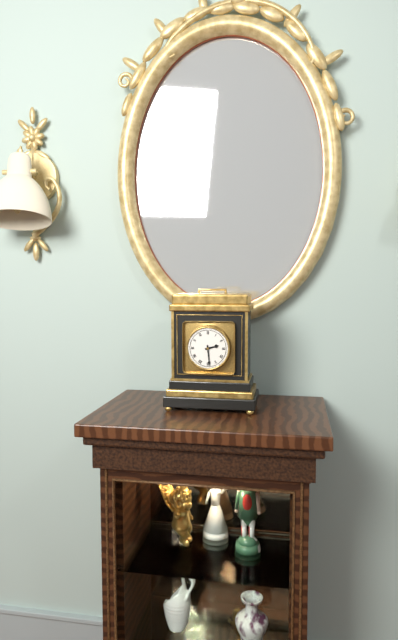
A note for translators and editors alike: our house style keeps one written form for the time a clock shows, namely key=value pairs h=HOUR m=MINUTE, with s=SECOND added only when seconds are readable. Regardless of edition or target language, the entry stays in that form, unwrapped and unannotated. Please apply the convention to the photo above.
h=2 m=29
